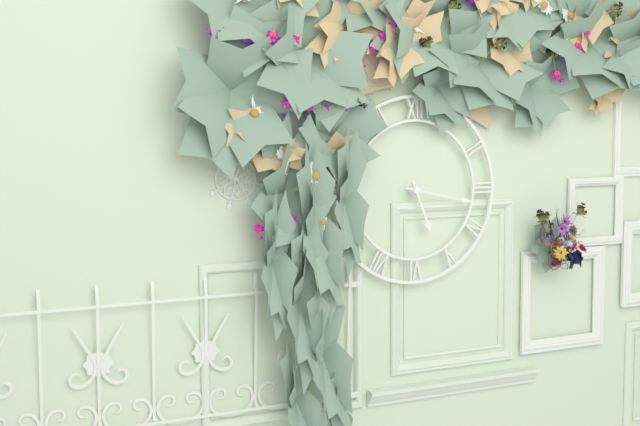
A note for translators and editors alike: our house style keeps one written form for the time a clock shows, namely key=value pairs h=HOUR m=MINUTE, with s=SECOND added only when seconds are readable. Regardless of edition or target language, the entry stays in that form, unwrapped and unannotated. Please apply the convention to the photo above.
h=5 m=17
